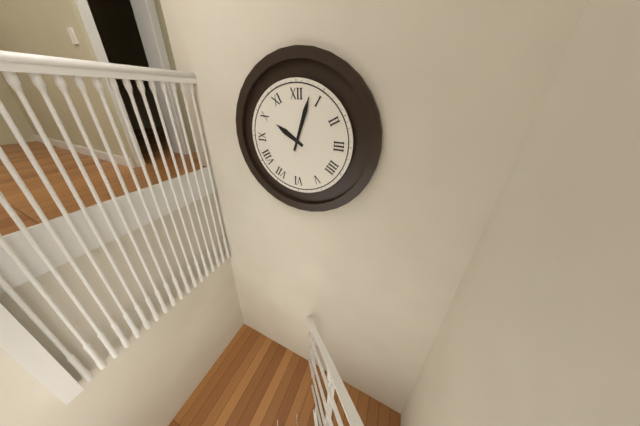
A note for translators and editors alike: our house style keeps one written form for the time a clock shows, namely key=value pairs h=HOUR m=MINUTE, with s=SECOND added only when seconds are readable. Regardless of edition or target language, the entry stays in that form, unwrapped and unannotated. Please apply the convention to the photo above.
h=10 m=3
